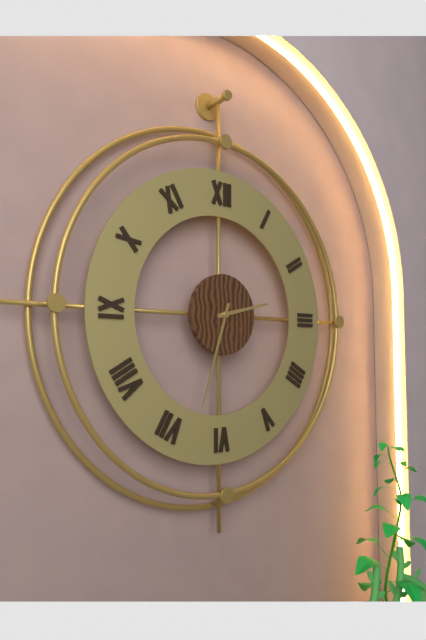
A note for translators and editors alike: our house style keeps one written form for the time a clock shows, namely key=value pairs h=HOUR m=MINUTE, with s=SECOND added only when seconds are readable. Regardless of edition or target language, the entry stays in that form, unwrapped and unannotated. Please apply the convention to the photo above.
h=2 m=33
